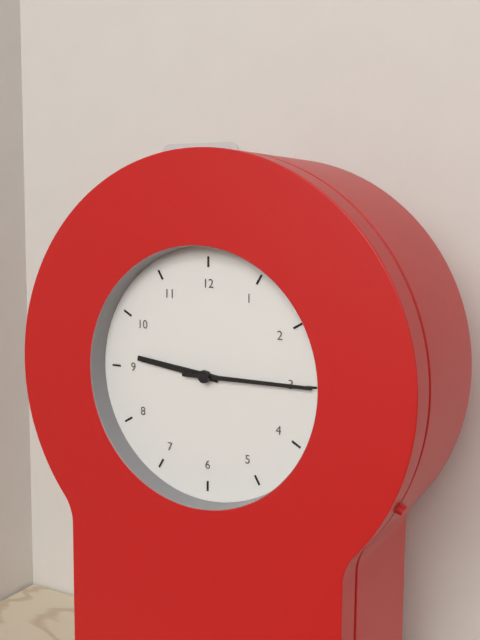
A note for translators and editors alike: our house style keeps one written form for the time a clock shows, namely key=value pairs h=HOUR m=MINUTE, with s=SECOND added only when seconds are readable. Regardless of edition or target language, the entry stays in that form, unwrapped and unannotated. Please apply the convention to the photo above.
h=9 m=15
